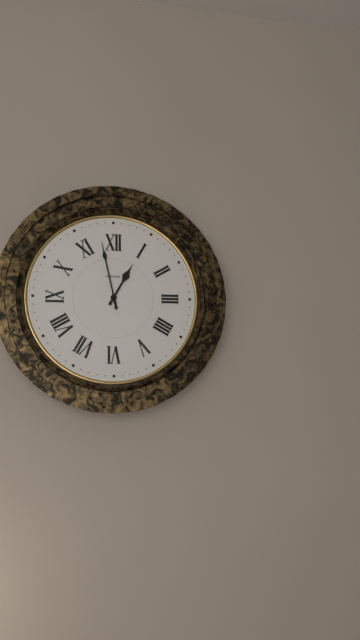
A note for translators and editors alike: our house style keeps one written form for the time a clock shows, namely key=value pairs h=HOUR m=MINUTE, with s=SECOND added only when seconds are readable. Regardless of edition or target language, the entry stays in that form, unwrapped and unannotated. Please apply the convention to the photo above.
h=12 m=58
